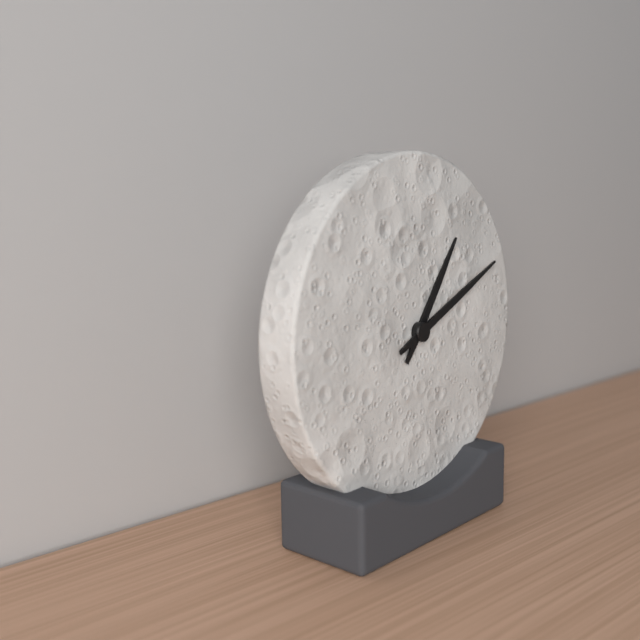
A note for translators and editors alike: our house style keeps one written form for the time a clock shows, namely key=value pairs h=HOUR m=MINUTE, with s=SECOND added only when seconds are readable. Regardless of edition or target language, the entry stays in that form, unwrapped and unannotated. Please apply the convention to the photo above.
h=1 m=11
